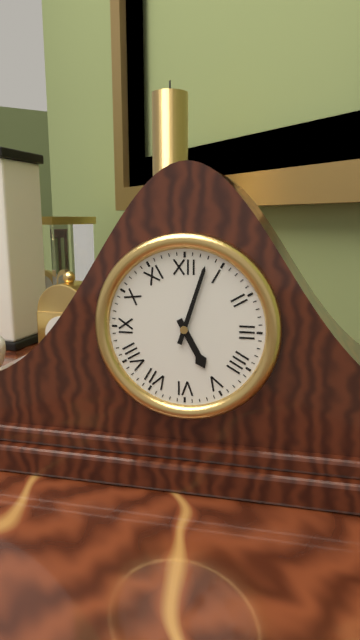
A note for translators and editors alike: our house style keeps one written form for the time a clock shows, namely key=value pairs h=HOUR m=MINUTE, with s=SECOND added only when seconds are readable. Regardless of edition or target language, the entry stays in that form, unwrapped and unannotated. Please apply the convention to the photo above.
h=5 m=3
